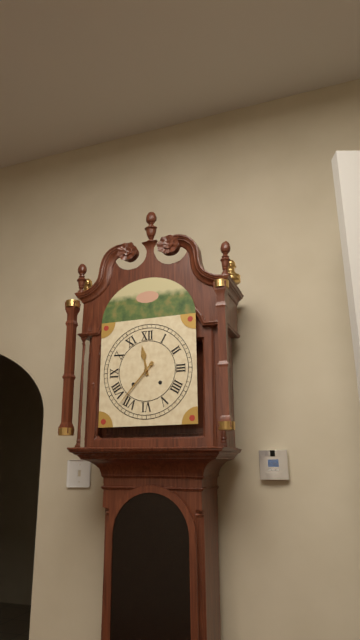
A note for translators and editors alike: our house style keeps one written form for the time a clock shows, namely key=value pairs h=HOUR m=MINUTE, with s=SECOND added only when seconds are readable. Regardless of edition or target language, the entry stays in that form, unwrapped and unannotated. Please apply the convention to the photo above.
h=11 m=37
